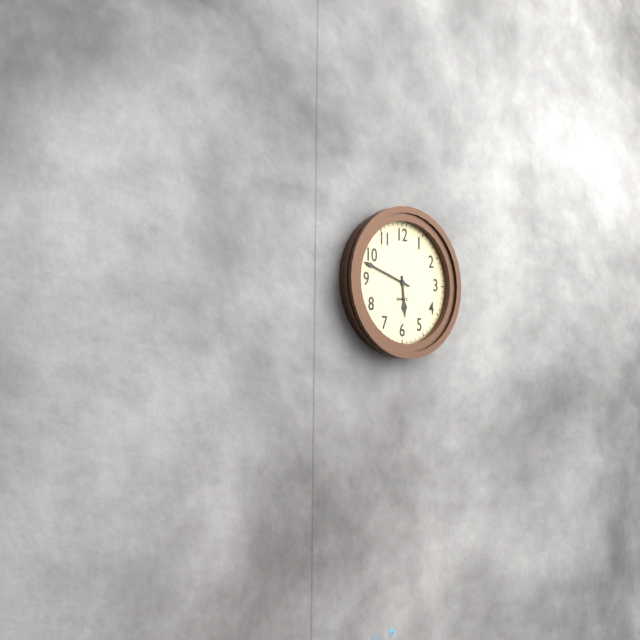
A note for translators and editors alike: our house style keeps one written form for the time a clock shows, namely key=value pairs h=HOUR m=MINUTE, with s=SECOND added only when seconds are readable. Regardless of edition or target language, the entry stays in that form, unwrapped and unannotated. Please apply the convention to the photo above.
h=5 m=48
